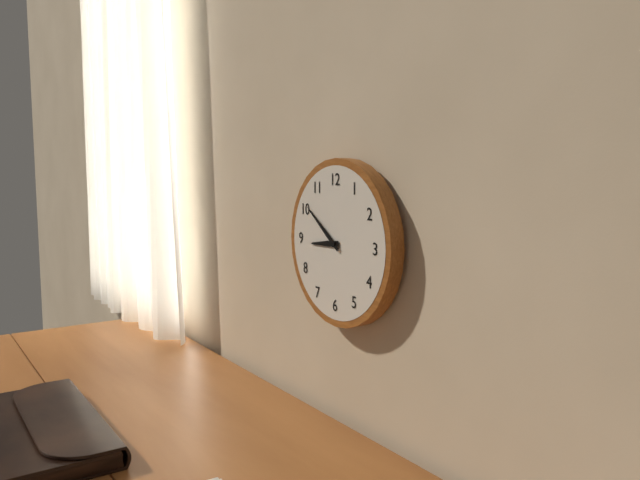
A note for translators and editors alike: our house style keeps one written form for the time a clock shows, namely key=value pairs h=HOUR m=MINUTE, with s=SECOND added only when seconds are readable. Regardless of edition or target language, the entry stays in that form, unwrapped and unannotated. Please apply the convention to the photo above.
h=8 m=51
